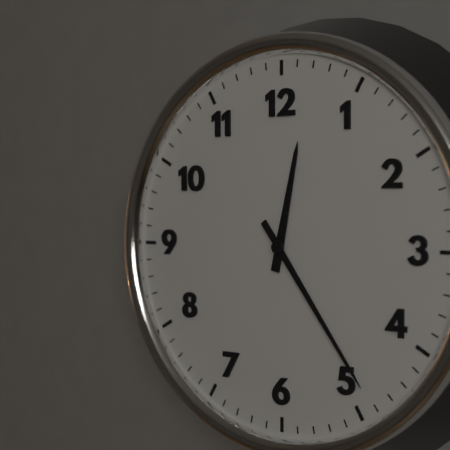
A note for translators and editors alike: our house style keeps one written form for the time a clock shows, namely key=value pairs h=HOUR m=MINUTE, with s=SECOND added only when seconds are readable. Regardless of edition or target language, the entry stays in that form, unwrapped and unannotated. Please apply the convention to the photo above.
h=12 m=24
